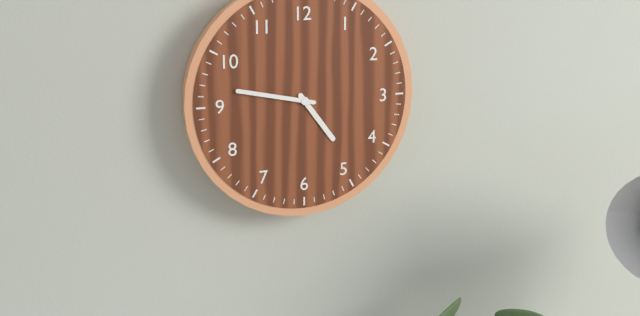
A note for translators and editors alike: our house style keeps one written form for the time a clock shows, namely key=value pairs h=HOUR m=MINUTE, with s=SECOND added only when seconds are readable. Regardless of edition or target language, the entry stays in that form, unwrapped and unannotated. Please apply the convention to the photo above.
h=4 m=47
